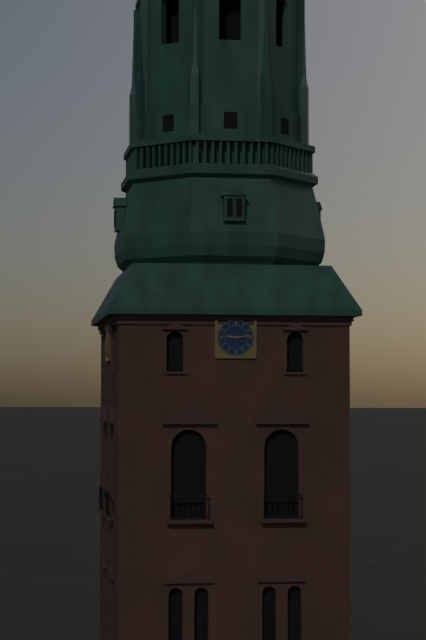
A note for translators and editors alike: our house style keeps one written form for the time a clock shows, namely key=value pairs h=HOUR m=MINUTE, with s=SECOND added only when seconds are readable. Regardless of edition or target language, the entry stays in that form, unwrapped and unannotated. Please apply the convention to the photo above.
h=9 m=14
